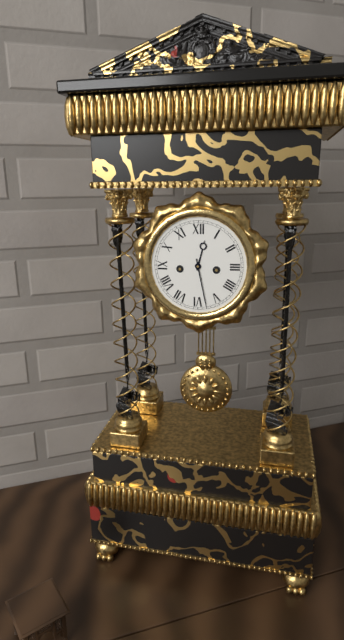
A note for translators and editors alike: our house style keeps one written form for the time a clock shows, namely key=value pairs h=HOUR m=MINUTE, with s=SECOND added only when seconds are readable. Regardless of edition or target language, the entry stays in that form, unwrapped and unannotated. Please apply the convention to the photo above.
h=12 m=28
